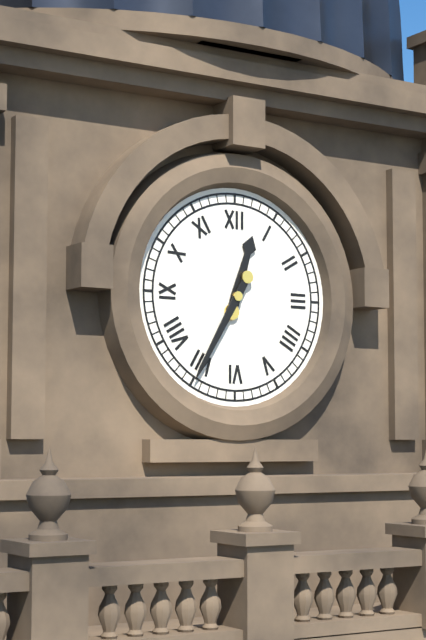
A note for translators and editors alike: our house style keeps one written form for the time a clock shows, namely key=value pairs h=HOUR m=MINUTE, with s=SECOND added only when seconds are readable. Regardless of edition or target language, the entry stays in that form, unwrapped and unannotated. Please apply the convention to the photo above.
h=12 m=35
